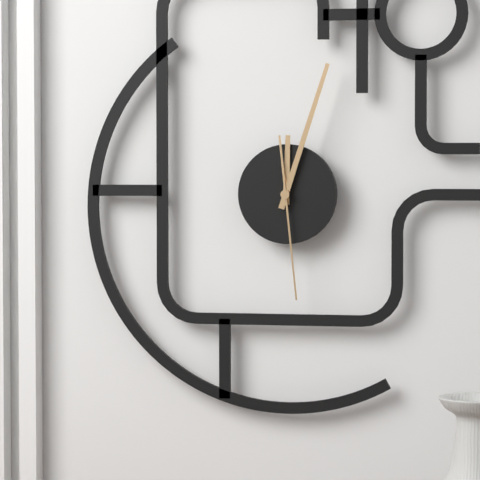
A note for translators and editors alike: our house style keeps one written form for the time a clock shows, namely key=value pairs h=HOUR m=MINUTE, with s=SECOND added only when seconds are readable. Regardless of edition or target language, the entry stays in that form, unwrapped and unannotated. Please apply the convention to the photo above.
h=12 m=3 s=29
